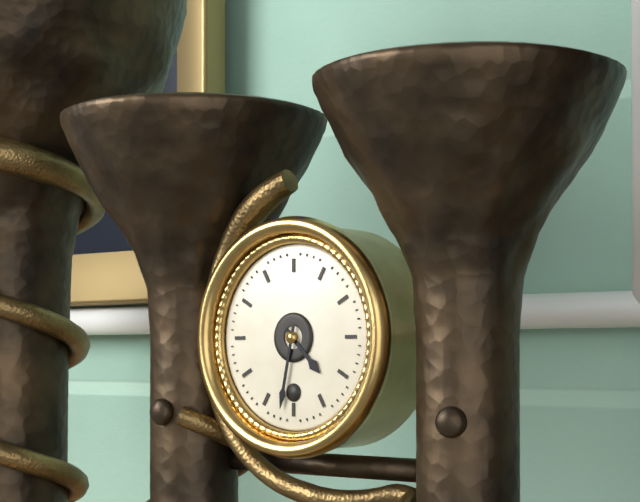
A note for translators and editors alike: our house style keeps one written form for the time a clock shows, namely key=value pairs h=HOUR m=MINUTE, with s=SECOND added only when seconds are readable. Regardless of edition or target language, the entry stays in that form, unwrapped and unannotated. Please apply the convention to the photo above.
h=4 m=32
